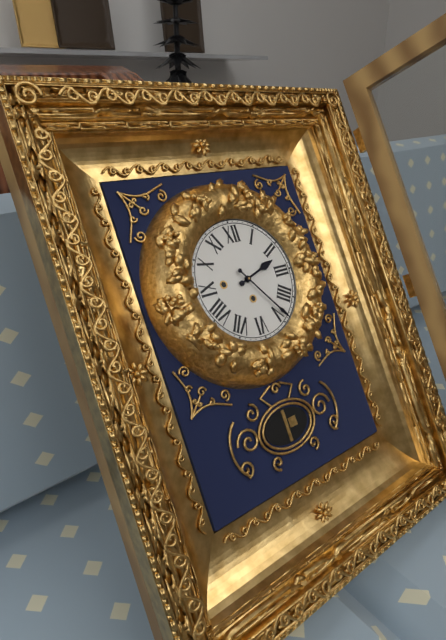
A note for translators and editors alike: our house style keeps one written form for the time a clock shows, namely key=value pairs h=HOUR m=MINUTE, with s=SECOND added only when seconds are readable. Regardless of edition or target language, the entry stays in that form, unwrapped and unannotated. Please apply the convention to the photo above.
h=2 m=24
